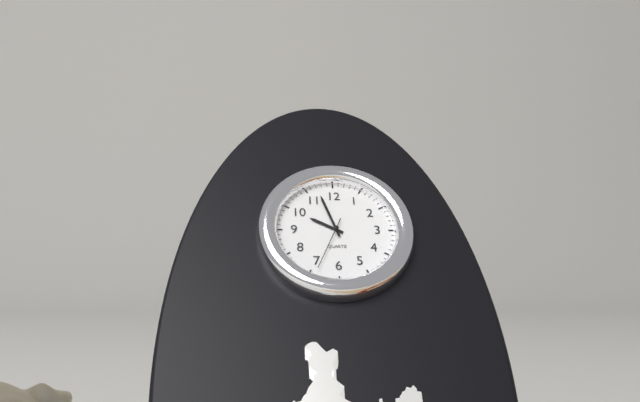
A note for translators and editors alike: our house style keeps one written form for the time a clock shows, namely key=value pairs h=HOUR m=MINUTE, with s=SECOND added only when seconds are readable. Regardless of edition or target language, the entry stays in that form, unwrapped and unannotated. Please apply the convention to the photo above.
h=9 m=57
